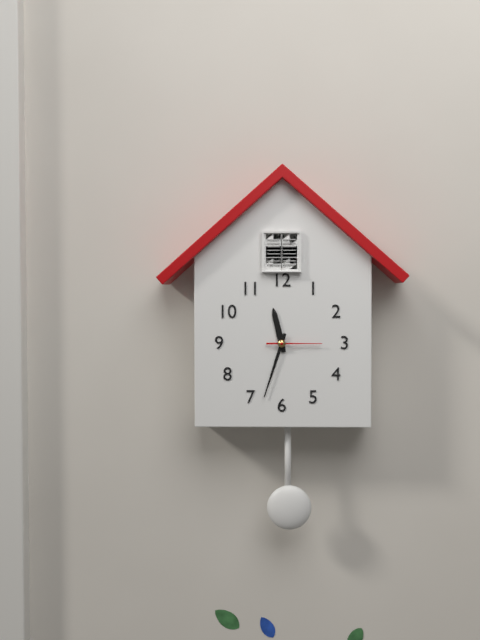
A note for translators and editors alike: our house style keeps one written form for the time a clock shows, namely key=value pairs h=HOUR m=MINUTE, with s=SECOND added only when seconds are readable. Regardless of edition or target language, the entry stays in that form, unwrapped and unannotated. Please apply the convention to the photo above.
h=11 m=33 s=15
